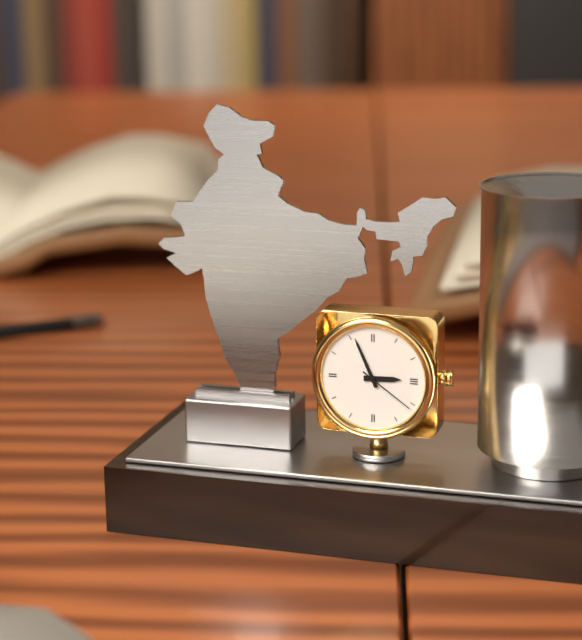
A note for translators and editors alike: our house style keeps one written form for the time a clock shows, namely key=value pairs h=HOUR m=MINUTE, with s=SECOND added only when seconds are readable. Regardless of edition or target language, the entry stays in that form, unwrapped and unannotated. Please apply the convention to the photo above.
h=2 m=56 s=21
